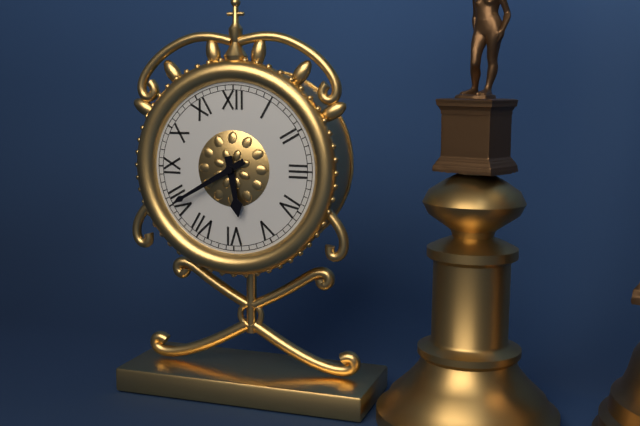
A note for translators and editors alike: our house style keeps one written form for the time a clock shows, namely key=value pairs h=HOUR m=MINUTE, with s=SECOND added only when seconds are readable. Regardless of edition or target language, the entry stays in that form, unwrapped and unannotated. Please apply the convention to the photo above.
h=5 m=40
